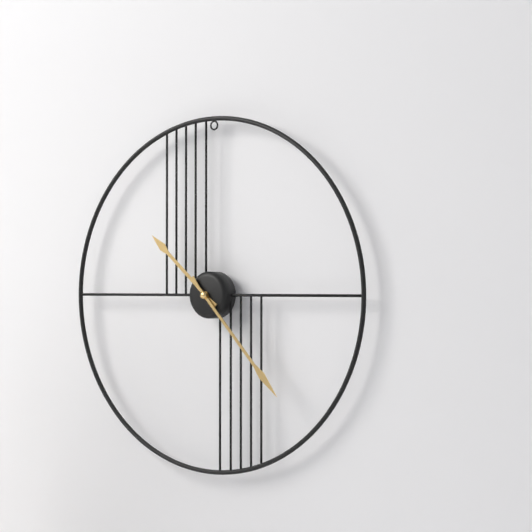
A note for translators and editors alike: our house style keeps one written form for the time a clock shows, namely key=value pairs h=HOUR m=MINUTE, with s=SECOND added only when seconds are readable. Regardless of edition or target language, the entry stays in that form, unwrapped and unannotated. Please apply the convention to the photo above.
h=10 m=23
